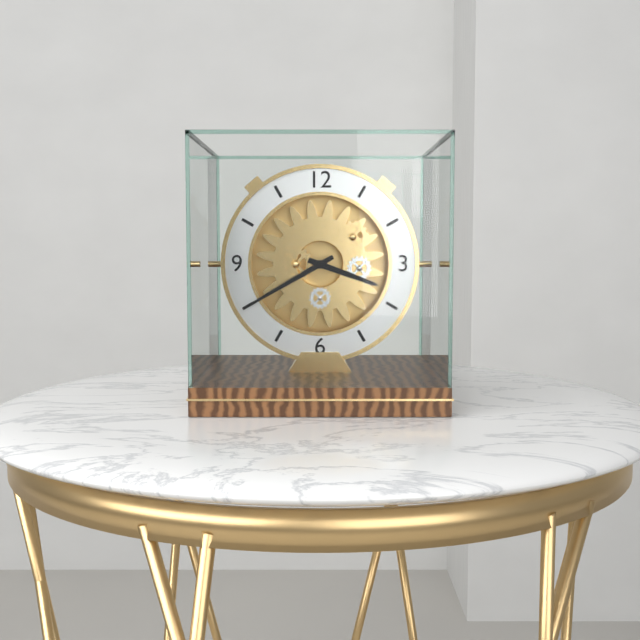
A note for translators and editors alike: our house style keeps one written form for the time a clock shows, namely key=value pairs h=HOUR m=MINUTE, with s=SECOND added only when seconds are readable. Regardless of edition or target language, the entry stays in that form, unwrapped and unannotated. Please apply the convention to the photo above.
h=3 m=40
